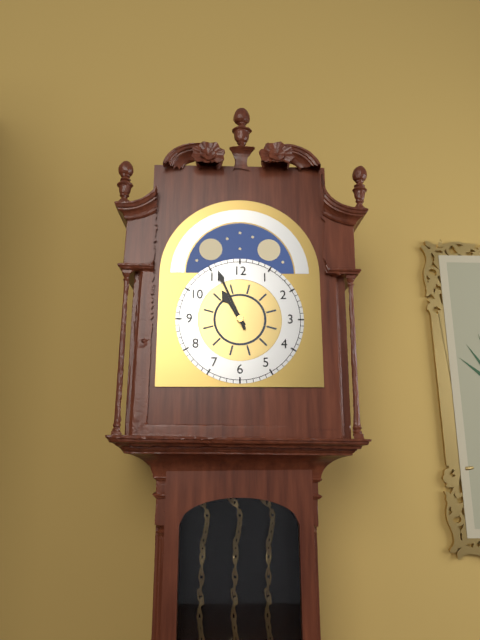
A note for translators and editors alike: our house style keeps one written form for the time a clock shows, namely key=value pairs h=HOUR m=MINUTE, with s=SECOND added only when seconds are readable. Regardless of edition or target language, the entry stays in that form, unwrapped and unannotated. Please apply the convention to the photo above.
h=10 m=56
